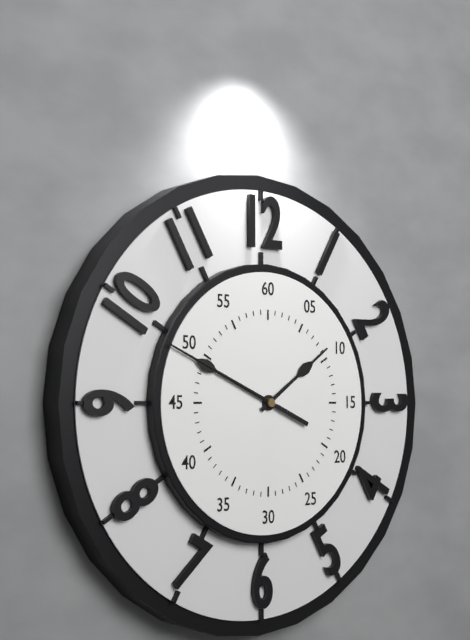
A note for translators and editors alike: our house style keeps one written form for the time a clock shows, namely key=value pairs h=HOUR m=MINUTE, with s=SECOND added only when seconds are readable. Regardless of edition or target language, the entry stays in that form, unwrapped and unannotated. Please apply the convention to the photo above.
h=1 m=49 s=49
